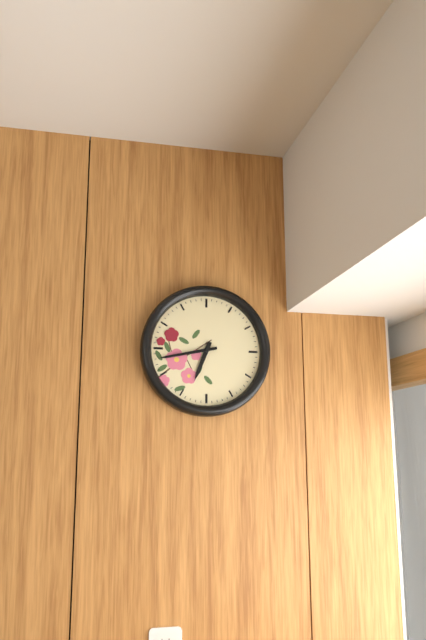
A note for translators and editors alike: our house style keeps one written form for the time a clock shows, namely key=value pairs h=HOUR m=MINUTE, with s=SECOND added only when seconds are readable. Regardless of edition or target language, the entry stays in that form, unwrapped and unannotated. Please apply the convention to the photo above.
h=6 m=43
